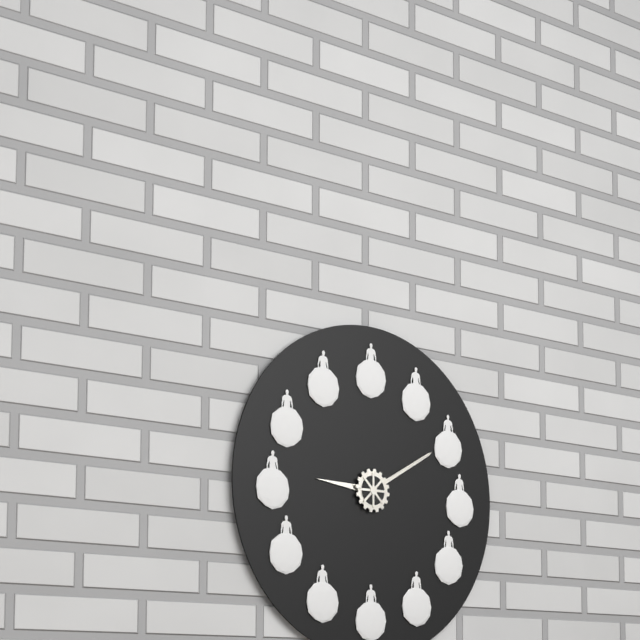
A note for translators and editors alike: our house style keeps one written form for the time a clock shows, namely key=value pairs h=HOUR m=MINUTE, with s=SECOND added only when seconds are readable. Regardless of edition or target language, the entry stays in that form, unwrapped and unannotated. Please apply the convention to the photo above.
h=9 m=10
